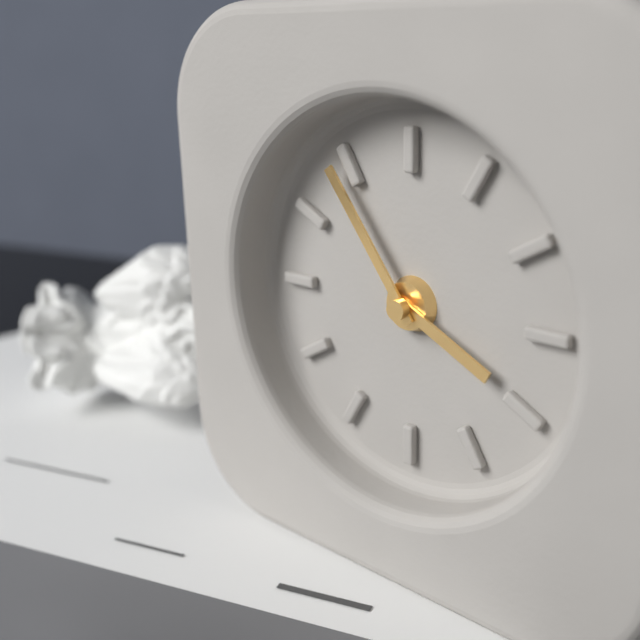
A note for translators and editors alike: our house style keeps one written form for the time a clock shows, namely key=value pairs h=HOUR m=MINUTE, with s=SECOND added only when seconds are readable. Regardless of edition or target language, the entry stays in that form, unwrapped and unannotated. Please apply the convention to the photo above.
h=3 m=54
